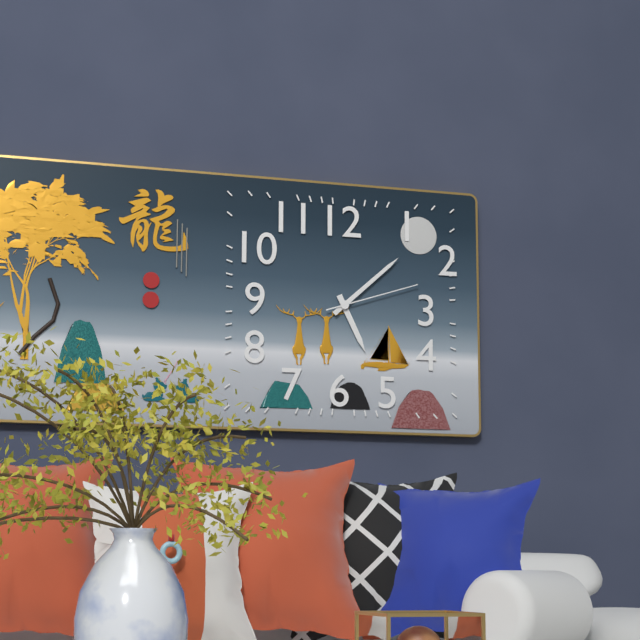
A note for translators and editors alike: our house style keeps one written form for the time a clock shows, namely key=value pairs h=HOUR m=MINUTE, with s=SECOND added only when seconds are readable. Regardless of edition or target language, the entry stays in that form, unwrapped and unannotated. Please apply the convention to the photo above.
h=5 m=8 s=12
